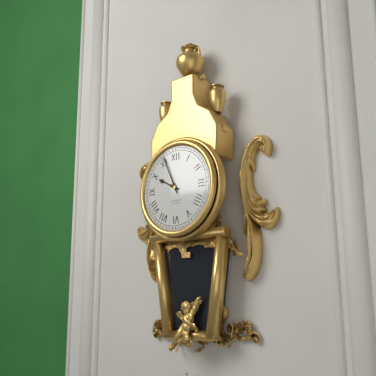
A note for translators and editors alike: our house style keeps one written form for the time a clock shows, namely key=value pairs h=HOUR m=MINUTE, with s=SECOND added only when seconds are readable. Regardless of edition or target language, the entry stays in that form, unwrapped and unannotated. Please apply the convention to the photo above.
h=9 m=56
